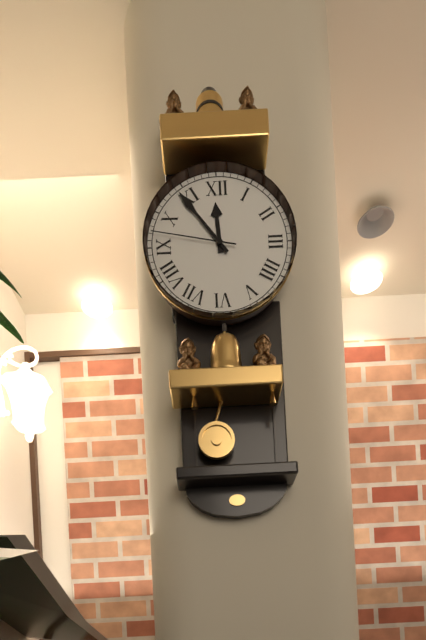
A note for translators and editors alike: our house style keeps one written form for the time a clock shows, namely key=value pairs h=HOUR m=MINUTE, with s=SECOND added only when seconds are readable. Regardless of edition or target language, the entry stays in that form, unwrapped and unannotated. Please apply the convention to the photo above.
h=11 m=54 s=47
